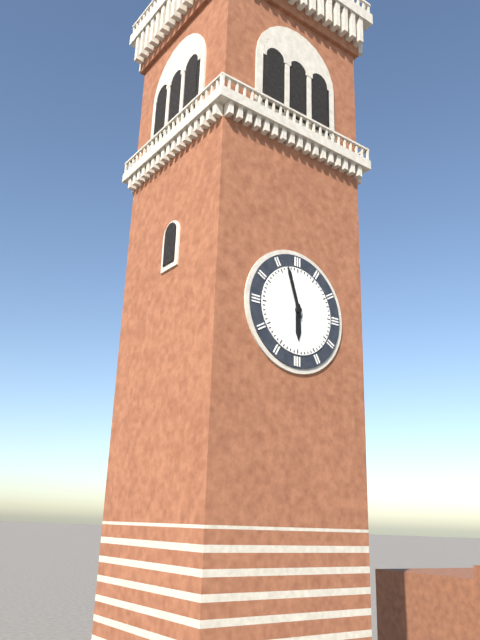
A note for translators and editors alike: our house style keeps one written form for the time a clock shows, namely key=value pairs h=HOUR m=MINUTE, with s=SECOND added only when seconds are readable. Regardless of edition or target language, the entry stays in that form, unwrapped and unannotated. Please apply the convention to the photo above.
h=5 m=57
